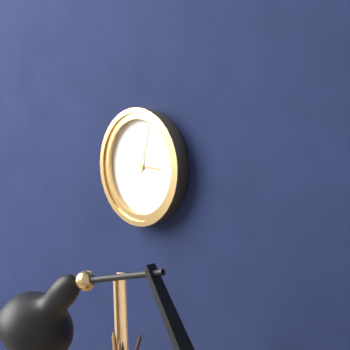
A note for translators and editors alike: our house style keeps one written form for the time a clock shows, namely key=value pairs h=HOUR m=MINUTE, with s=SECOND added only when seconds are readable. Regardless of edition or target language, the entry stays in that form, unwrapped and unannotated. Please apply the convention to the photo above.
h=3 m=2
